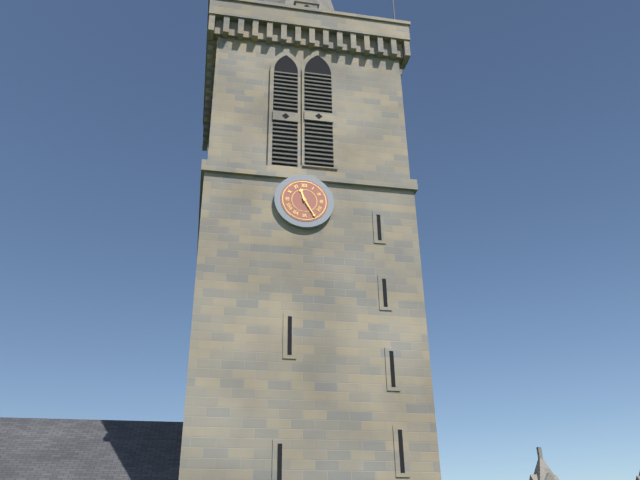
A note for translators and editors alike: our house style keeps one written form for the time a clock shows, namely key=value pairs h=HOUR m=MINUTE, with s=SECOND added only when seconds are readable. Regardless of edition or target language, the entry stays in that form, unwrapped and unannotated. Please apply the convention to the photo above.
h=11 m=25
